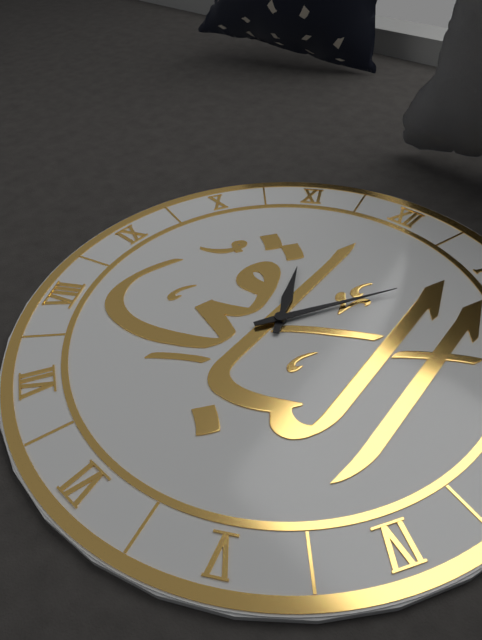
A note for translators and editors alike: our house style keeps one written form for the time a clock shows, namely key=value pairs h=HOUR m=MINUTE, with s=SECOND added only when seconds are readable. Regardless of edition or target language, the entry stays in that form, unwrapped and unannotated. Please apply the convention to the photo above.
h=11 m=5
